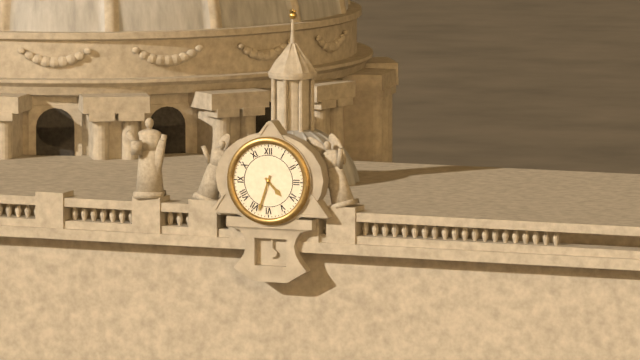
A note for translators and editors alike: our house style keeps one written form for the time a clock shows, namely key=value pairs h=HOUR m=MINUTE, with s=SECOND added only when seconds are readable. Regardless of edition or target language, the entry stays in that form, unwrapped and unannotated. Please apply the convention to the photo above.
h=4 m=33
